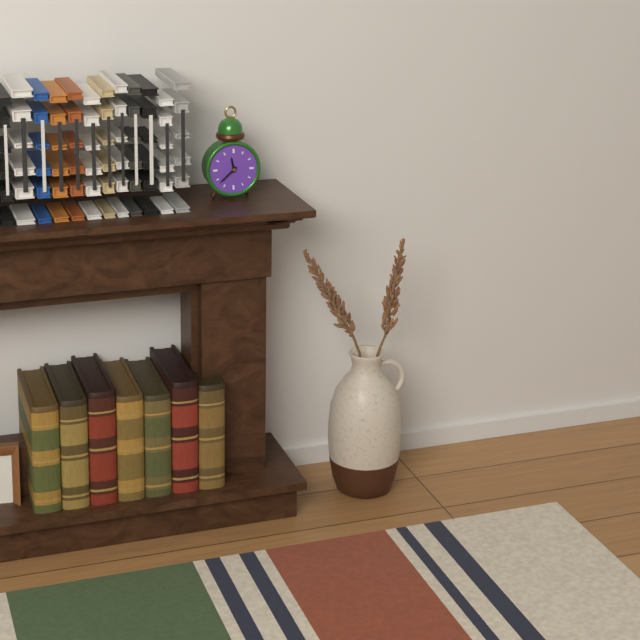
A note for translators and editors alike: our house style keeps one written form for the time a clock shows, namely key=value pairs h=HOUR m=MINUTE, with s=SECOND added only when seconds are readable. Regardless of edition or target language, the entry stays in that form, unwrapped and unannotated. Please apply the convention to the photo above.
h=11 m=38
